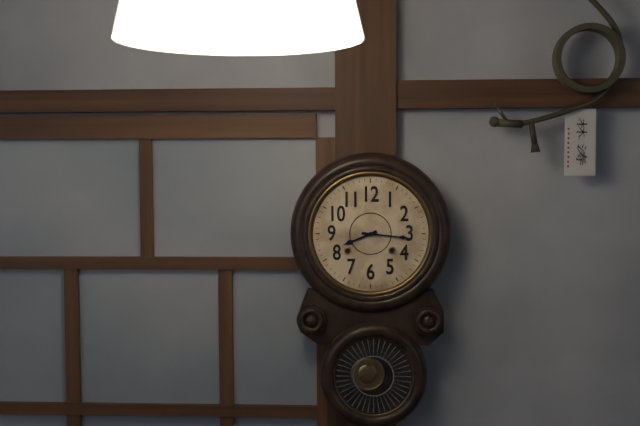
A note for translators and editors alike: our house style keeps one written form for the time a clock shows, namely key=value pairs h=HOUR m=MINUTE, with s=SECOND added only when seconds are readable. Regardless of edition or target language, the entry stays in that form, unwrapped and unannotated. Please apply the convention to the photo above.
h=8 m=16
